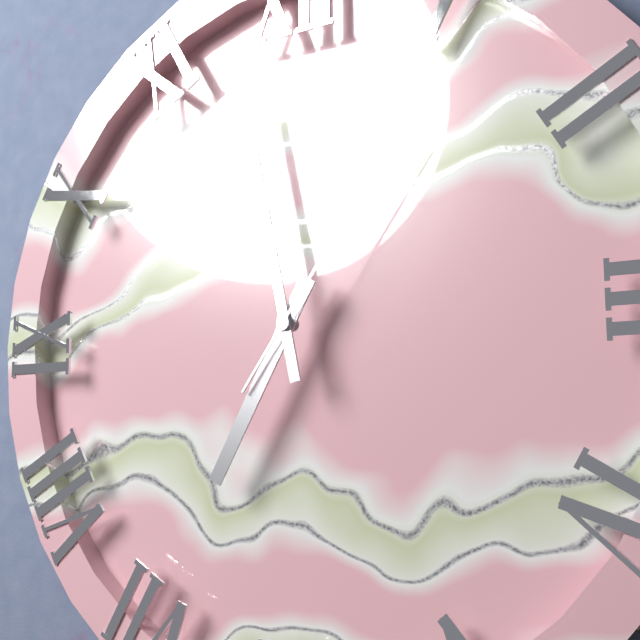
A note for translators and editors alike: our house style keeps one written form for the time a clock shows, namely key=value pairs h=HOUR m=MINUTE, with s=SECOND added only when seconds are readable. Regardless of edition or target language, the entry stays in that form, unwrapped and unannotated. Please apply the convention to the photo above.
h=6 m=58 s=6
